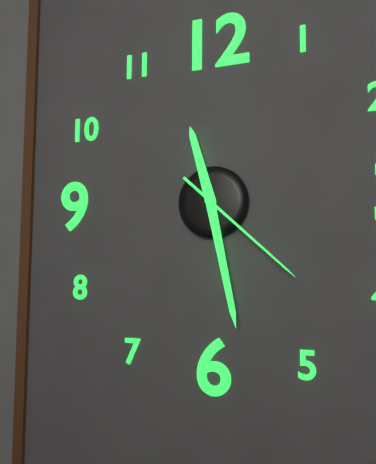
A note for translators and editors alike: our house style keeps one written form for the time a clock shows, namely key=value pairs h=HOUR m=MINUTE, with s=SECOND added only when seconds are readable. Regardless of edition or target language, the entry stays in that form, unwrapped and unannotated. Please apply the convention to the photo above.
h=11 m=28 s=22
